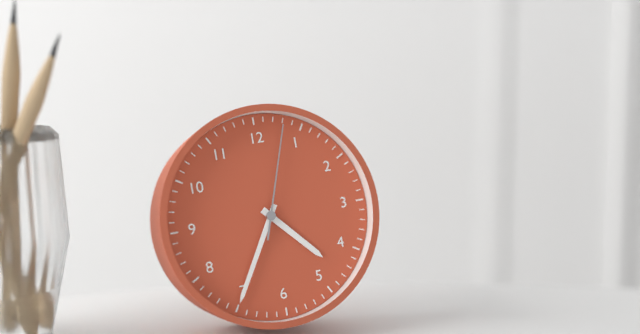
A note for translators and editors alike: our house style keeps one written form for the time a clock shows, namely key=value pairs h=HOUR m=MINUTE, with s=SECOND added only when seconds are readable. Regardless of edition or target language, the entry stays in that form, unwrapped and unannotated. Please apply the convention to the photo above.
h=4 m=35 s=3
